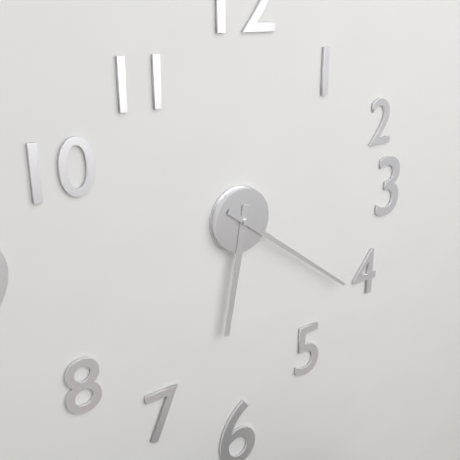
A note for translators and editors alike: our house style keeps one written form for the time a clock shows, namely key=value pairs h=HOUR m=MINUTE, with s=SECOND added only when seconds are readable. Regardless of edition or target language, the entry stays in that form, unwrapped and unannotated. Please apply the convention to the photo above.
h=6 m=21
